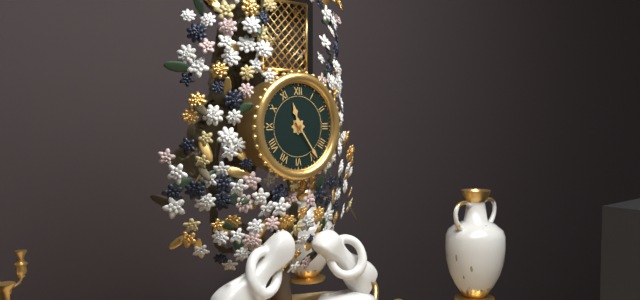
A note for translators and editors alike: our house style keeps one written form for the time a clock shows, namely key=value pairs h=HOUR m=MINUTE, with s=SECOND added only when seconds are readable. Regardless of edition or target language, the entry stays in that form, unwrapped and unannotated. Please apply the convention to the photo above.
h=11 m=24
